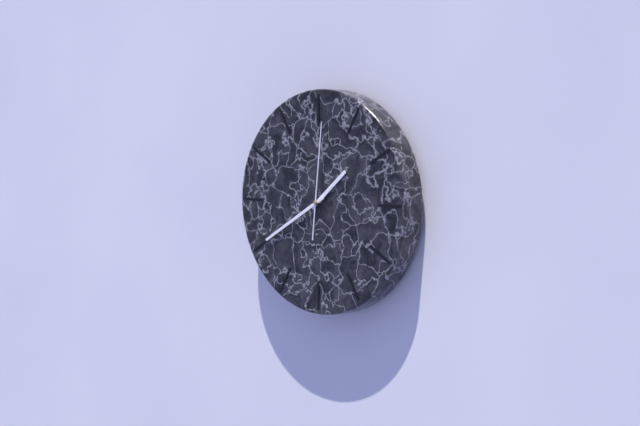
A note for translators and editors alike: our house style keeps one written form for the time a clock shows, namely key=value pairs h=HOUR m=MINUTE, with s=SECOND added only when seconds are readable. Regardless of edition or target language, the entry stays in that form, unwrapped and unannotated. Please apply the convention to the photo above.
h=1 m=40 s=1
